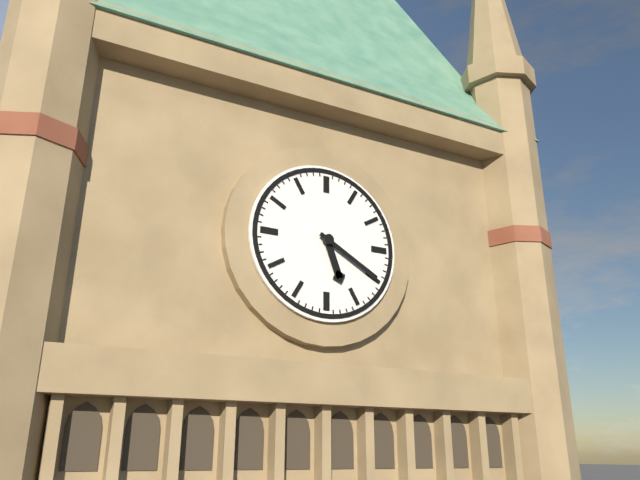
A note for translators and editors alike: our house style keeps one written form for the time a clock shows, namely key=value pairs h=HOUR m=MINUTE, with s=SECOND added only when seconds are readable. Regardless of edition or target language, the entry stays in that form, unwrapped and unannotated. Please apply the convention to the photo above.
h=5 m=20
